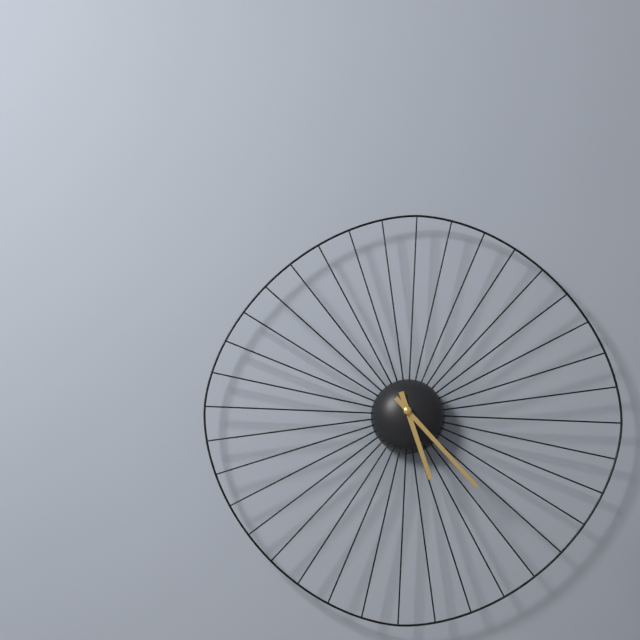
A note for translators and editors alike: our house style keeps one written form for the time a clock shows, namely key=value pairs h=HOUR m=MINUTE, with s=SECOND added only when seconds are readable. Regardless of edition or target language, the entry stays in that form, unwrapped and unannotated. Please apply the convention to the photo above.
h=5 m=23
